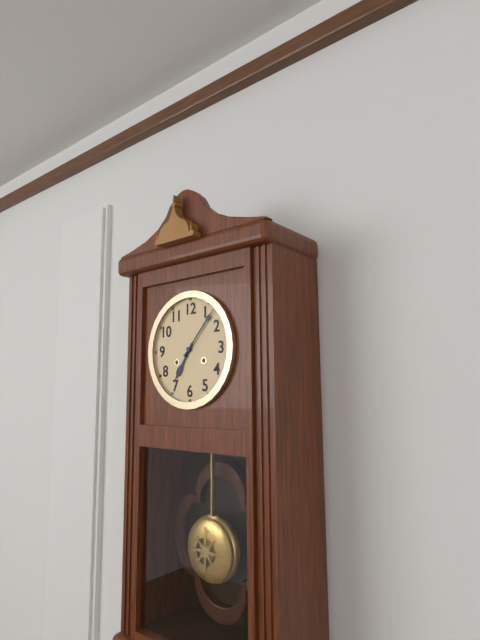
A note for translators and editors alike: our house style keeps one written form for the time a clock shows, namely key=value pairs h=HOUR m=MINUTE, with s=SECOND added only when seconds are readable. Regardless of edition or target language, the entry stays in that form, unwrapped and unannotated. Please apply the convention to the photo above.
h=7 m=7
